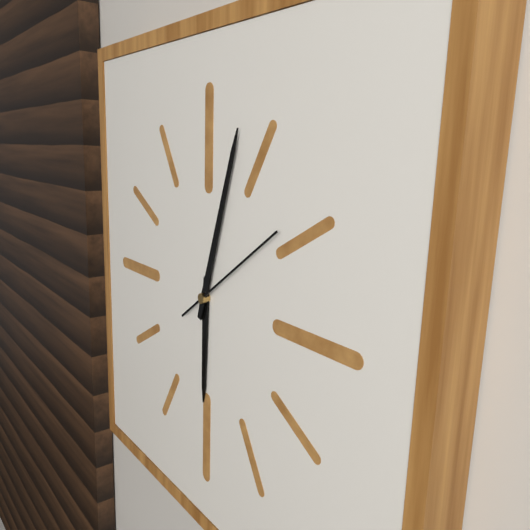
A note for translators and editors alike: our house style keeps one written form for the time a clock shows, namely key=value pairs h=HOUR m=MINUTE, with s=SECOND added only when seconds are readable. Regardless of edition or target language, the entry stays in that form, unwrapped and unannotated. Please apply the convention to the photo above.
h=6 m=3 s=9
